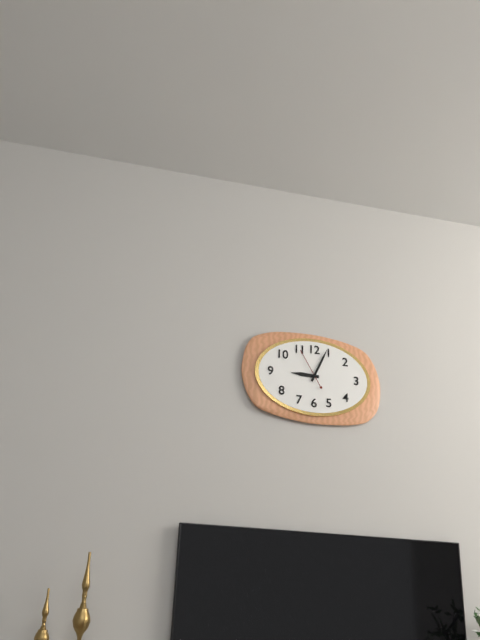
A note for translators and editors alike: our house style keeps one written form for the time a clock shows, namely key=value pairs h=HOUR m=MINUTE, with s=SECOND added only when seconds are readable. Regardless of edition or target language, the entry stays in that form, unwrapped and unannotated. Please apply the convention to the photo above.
h=9 m=4
